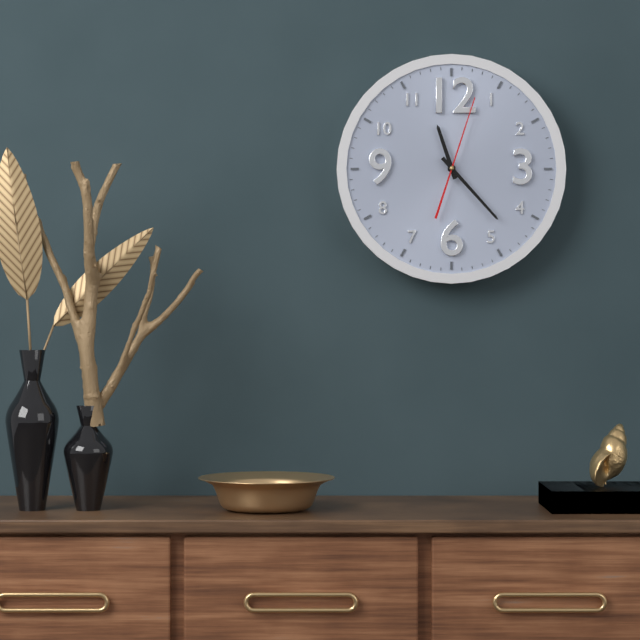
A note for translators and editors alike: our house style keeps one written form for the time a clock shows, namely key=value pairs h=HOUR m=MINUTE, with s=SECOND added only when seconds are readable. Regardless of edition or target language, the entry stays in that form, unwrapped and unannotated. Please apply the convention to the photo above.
h=11 m=23 s=3
